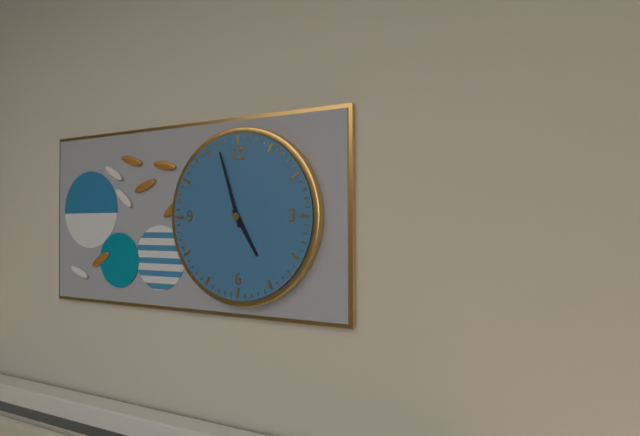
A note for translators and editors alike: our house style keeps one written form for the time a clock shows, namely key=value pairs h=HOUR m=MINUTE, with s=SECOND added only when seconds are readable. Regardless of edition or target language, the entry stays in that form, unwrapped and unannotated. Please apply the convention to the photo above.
h=4 m=57
